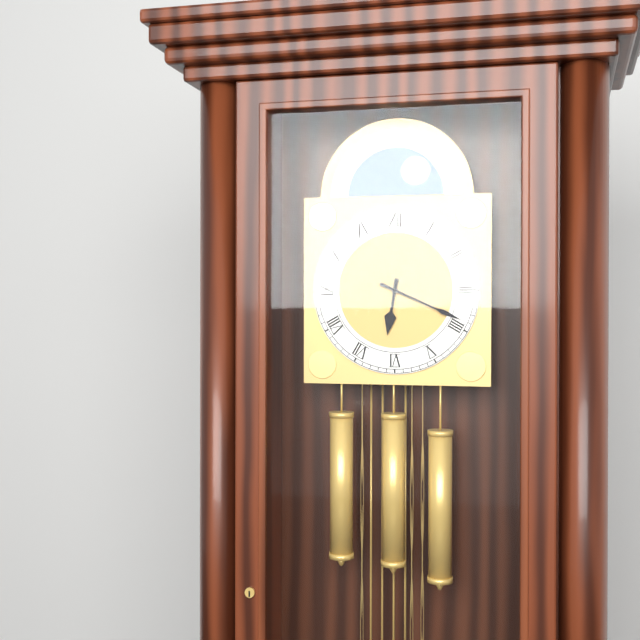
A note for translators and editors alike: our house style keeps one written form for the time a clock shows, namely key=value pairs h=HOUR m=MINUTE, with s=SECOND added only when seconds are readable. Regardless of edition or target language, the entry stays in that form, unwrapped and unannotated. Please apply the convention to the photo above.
h=6 m=19
